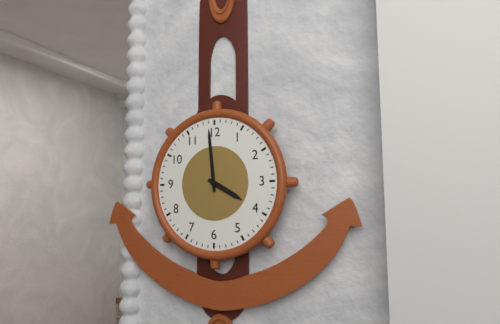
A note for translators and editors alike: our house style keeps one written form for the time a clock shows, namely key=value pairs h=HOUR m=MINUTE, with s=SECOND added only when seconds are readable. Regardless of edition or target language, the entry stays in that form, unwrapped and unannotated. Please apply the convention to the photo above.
h=3 m=59
